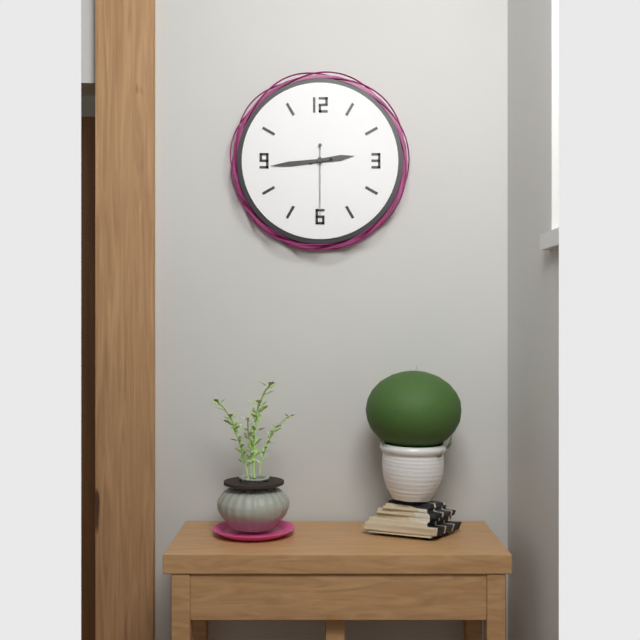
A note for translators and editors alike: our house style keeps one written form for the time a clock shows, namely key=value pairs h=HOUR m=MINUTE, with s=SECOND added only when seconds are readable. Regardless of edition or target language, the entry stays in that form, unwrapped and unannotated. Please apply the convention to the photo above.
h=2 m=44 s=30
